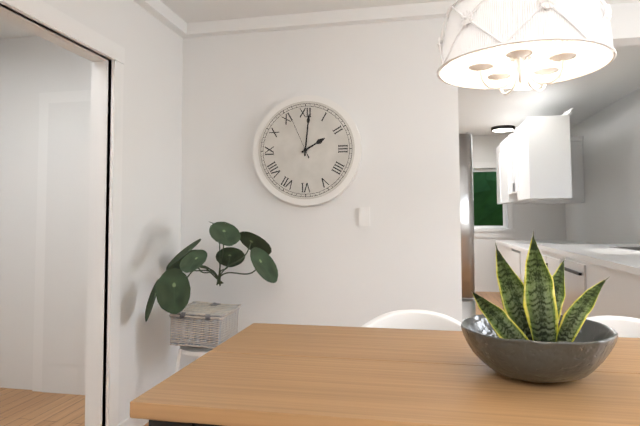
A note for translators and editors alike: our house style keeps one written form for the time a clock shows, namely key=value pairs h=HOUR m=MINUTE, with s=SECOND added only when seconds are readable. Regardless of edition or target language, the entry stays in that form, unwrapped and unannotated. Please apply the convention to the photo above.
h=2 m=1
